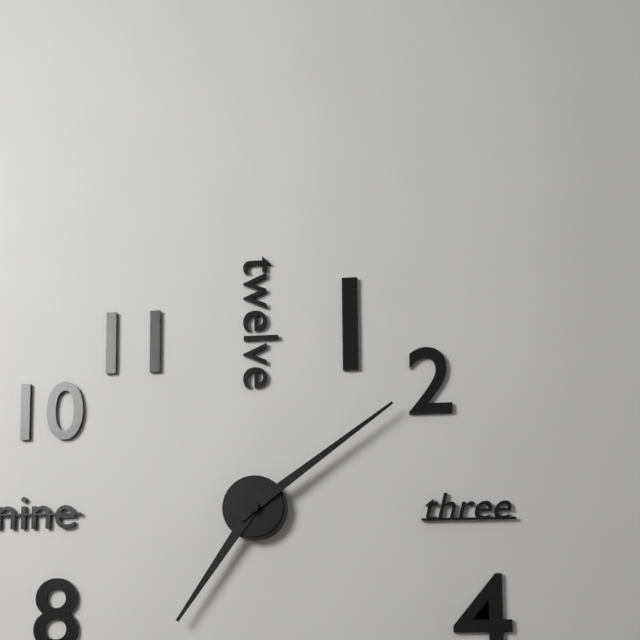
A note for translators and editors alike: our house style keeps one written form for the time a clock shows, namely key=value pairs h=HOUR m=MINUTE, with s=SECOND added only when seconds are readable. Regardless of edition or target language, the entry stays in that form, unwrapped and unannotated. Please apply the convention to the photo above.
h=7 m=9
